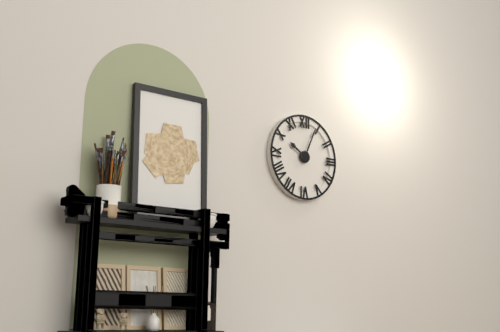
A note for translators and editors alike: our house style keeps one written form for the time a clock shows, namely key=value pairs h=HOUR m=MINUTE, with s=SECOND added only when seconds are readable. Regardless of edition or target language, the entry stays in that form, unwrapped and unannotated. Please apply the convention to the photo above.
h=10 m=4
